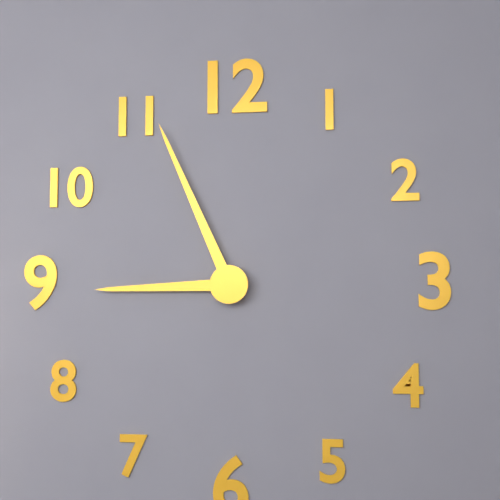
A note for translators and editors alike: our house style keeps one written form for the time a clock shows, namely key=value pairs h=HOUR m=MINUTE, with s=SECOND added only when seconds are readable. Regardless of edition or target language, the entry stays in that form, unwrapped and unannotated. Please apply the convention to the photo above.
h=8 m=56
